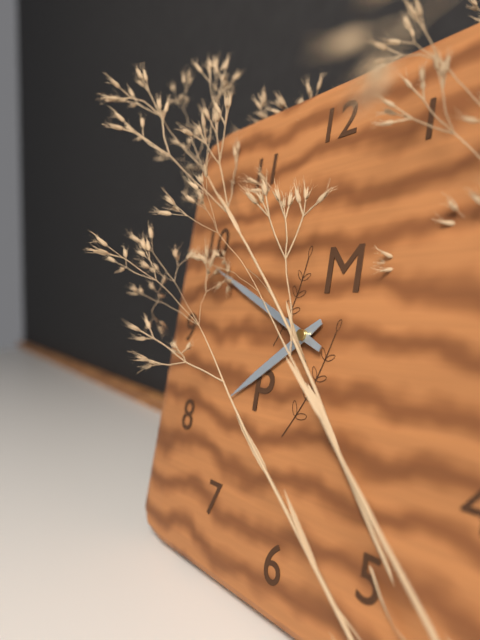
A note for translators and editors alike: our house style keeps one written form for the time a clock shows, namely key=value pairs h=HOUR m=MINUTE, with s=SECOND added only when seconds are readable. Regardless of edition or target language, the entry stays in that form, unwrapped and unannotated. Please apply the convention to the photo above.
h=7 m=49
